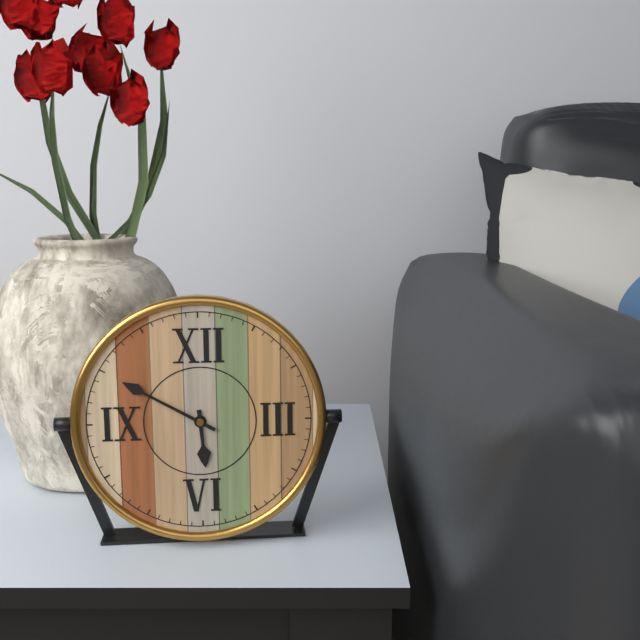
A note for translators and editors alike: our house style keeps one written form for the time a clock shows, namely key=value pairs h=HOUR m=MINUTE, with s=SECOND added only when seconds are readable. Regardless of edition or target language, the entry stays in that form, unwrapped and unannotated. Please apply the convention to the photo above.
h=5 m=50
